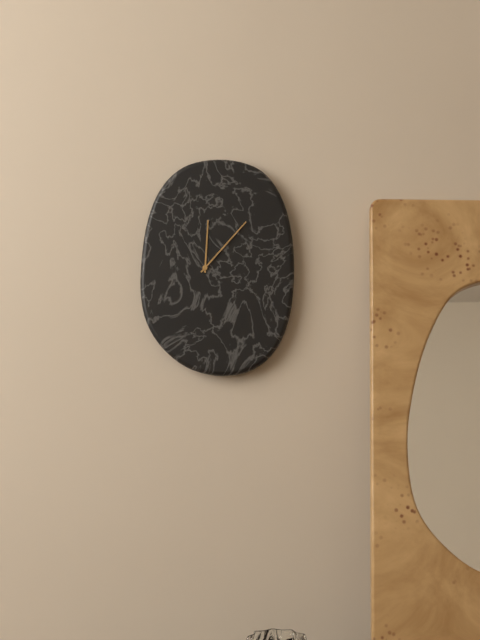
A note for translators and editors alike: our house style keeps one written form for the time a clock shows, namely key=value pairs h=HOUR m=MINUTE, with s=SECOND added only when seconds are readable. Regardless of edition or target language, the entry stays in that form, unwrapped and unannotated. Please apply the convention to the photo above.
h=12 m=7
